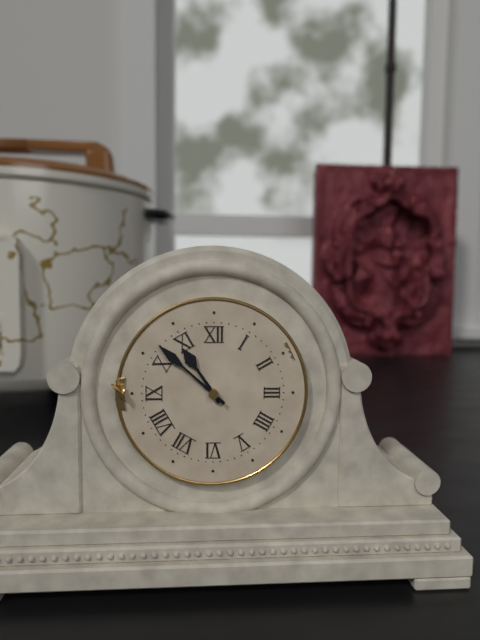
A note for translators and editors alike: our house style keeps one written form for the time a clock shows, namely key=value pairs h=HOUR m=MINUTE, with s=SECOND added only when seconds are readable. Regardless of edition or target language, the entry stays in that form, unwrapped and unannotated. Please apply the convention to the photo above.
h=10 m=52
